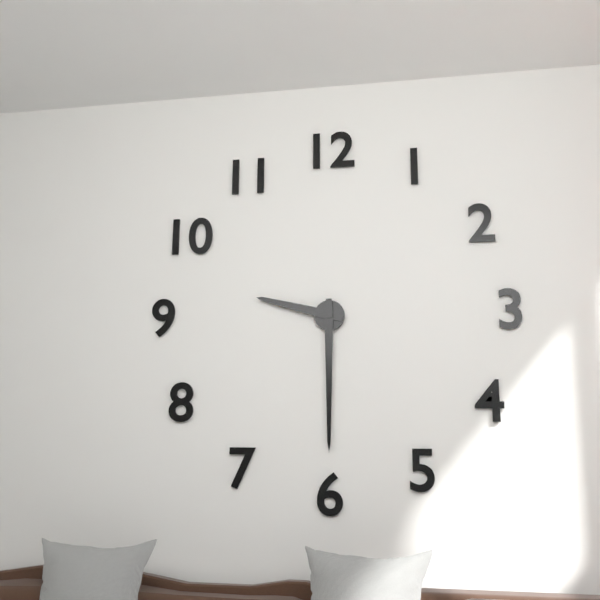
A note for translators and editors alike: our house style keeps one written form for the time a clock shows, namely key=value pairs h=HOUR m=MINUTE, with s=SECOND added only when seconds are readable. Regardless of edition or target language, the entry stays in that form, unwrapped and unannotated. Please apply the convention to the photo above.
h=9 m=30
